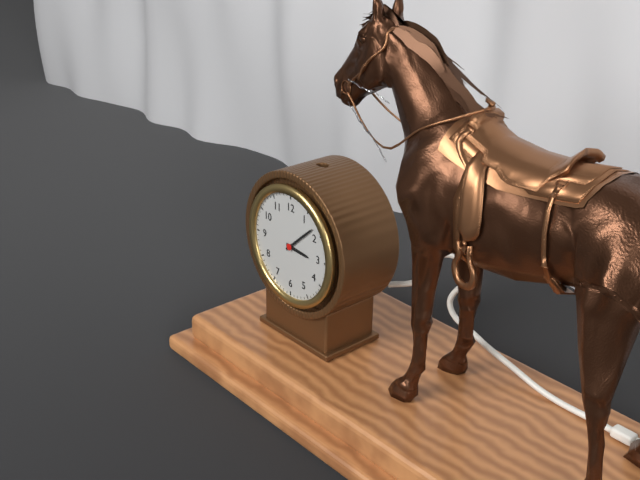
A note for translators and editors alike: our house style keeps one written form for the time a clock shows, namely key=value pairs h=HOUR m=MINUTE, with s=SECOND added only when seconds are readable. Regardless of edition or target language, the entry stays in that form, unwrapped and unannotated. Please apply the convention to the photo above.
h=3 m=8
